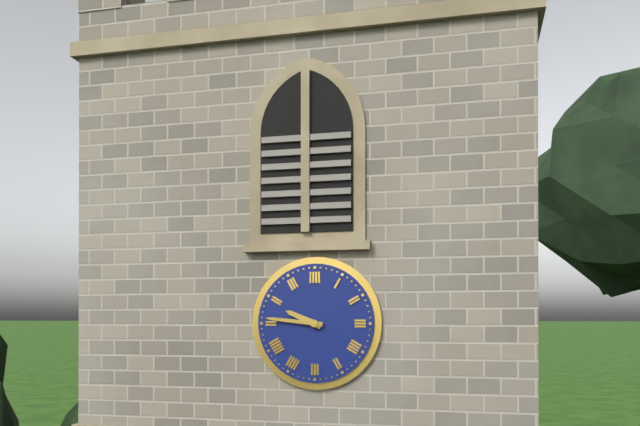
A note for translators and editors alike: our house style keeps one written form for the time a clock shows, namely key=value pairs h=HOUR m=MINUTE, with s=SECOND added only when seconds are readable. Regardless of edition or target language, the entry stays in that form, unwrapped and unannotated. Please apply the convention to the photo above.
h=9 m=46
